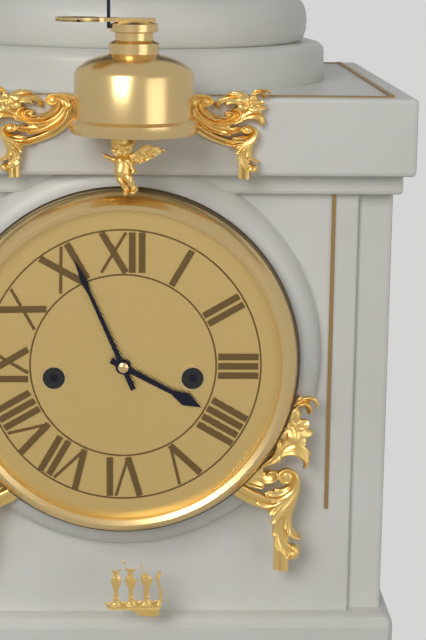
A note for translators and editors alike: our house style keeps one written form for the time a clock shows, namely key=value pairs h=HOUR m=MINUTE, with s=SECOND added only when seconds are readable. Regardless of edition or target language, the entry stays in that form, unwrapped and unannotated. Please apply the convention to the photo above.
h=3 m=56
